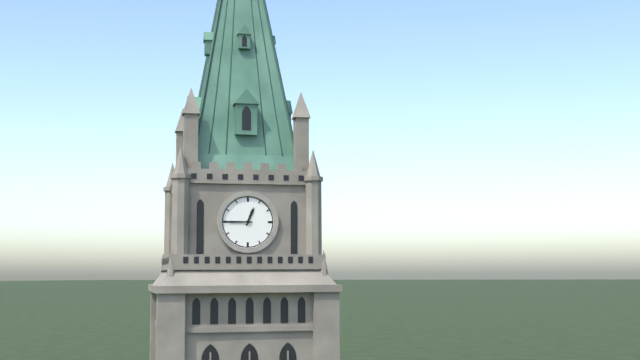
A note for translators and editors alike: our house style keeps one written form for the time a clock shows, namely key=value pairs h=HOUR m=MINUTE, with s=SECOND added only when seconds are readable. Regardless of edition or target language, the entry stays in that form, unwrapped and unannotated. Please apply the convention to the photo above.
h=12 m=45
